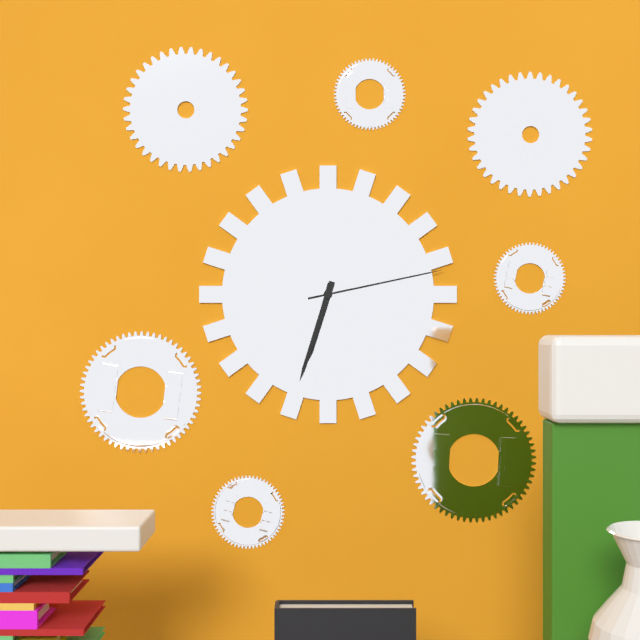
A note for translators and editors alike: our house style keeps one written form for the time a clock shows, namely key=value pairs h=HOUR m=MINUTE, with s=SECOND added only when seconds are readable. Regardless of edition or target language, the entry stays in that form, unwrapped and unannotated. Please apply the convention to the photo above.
h=6 m=33 s=13
